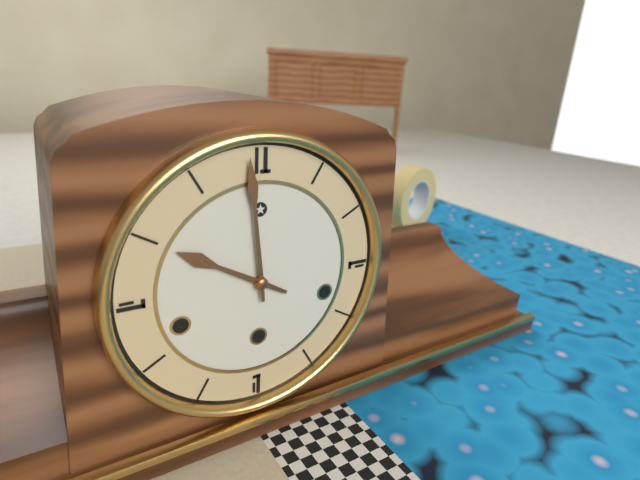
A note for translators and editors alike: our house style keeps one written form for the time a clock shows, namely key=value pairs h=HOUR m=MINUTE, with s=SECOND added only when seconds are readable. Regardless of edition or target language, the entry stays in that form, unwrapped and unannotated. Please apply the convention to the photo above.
h=9 m=59
